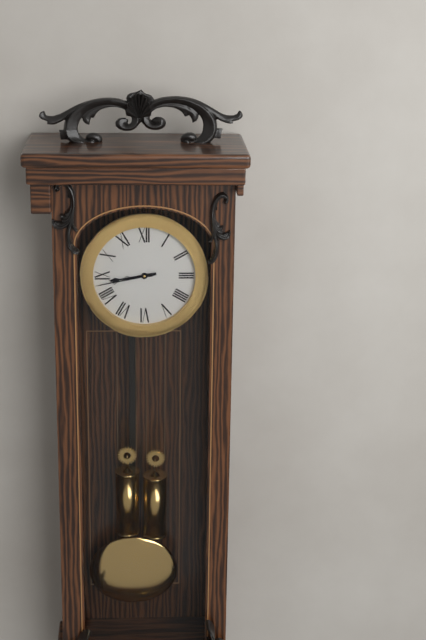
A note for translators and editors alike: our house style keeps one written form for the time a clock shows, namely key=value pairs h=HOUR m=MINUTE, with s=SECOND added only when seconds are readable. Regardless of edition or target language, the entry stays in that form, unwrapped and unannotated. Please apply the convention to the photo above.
h=8 m=43
